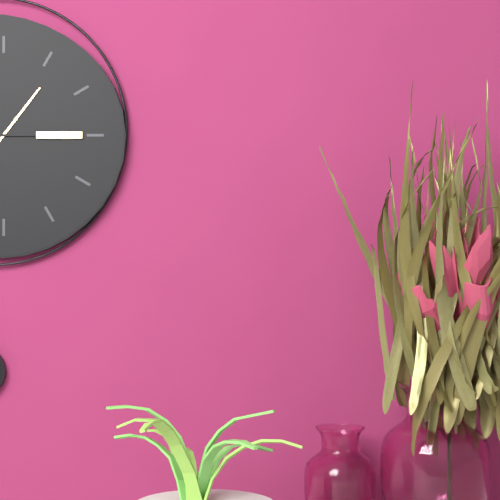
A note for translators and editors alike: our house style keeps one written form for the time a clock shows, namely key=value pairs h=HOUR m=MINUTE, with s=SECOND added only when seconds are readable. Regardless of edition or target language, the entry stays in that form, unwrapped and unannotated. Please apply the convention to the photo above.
h=1 m=15
